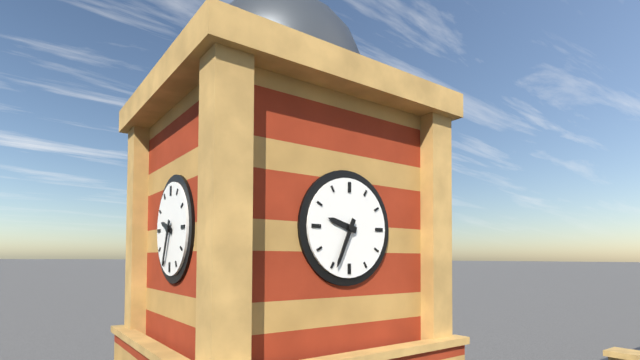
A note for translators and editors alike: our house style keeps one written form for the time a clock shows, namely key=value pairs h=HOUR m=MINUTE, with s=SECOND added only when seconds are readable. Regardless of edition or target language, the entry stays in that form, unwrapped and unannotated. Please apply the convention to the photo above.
h=9 m=34
